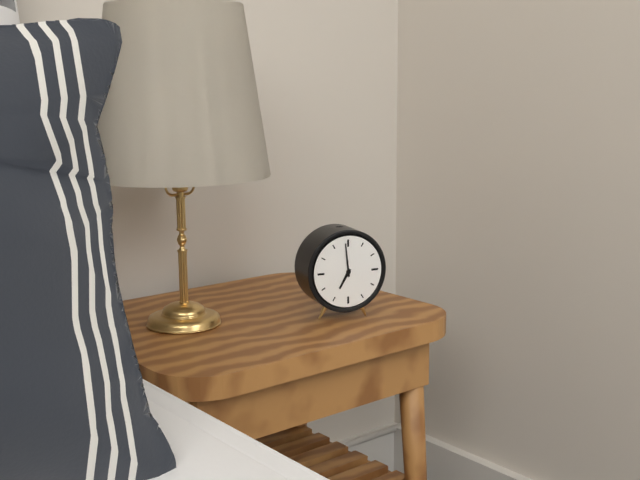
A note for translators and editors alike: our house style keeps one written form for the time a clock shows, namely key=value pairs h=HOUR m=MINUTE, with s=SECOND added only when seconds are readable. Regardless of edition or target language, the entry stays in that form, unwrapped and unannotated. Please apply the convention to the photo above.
h=6 m=59
